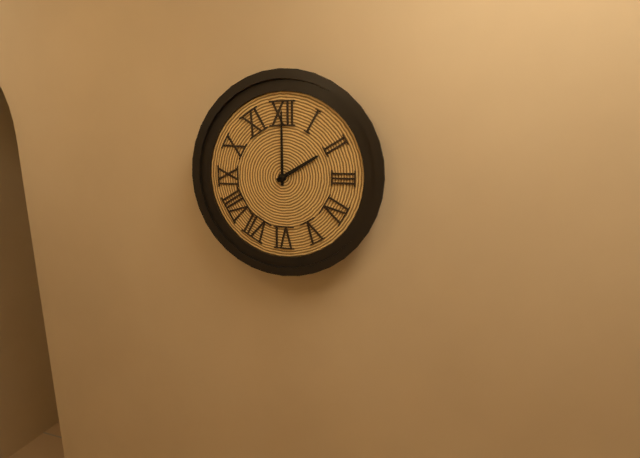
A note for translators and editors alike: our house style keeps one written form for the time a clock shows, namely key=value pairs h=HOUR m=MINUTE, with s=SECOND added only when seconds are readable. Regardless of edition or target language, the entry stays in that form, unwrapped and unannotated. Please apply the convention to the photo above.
h=2 m=0
